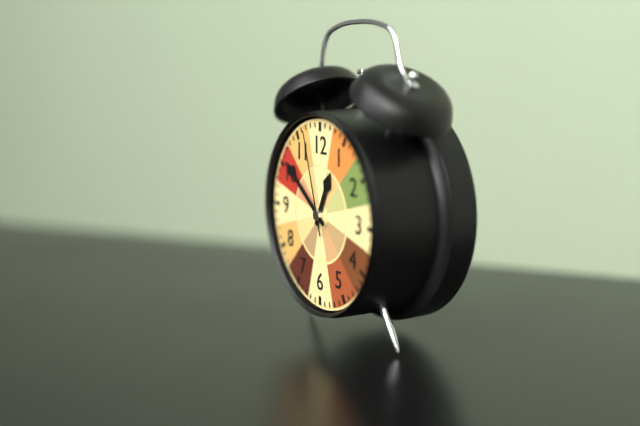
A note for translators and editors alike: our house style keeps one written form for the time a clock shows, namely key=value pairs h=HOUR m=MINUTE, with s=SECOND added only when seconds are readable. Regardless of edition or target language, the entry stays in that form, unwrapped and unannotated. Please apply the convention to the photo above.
h=12 m=51 s=57
